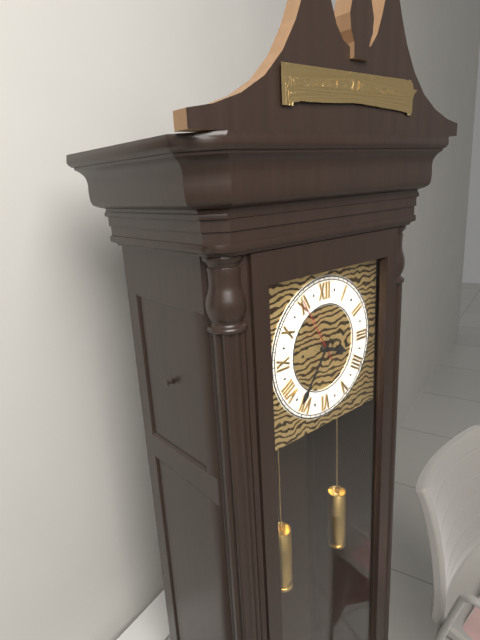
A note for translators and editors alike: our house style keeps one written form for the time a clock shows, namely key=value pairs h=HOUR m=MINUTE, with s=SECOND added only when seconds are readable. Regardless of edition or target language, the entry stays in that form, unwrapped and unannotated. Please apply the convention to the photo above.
h=3 m=36 s=55
